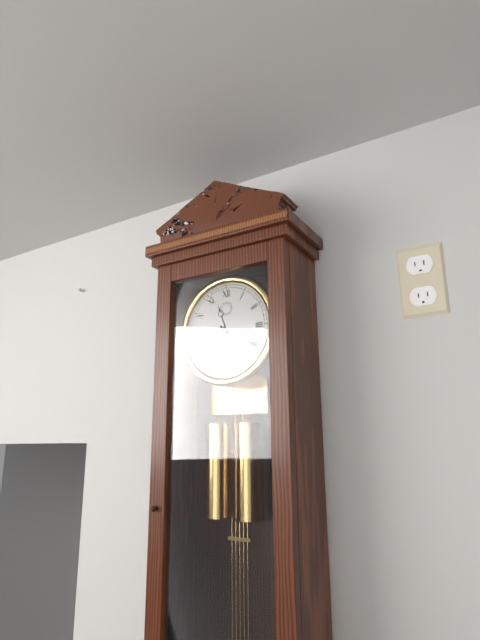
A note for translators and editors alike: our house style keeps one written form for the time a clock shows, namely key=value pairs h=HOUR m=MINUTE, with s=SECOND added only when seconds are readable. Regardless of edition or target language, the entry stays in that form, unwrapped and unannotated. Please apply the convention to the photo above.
h=11 m=20
